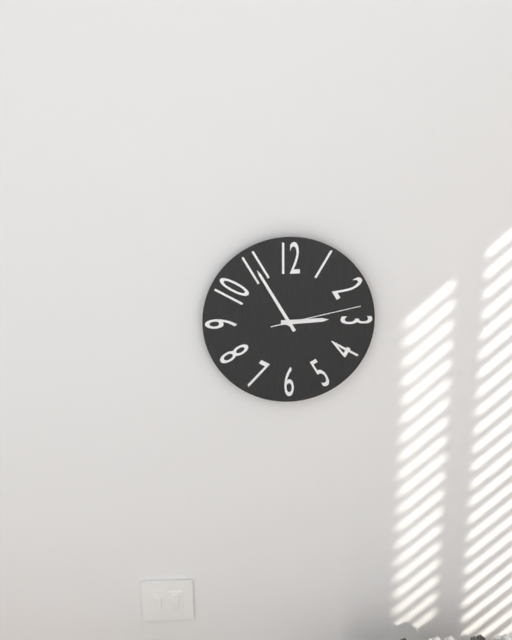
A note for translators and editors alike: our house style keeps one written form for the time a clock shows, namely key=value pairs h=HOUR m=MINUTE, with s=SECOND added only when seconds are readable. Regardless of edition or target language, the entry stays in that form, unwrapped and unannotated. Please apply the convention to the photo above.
h=2 m=55 s=13
